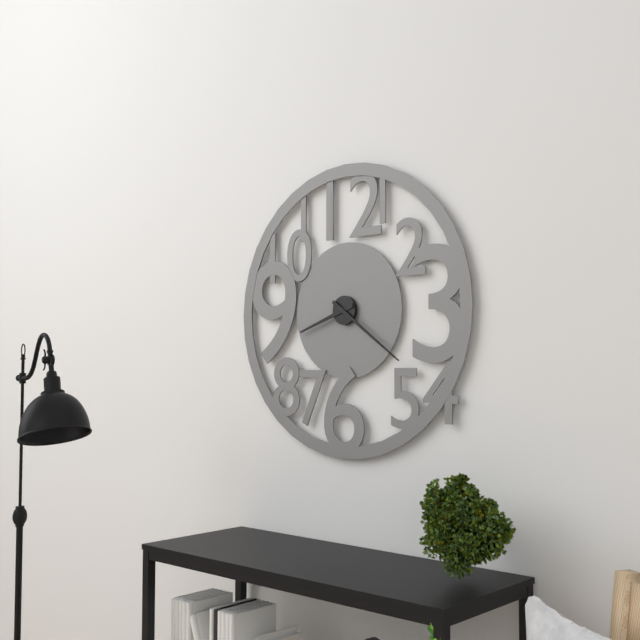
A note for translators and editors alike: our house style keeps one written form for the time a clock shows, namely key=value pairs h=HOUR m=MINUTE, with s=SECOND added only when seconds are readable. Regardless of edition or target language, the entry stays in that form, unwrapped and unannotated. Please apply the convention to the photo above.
h=8 m=21
